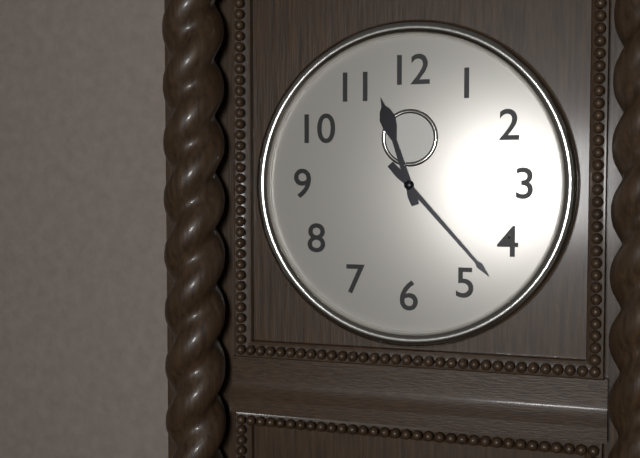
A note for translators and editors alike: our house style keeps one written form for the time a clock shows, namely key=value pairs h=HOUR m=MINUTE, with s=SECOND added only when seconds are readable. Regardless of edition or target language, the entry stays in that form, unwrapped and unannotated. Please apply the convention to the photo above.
h=11 m=23
